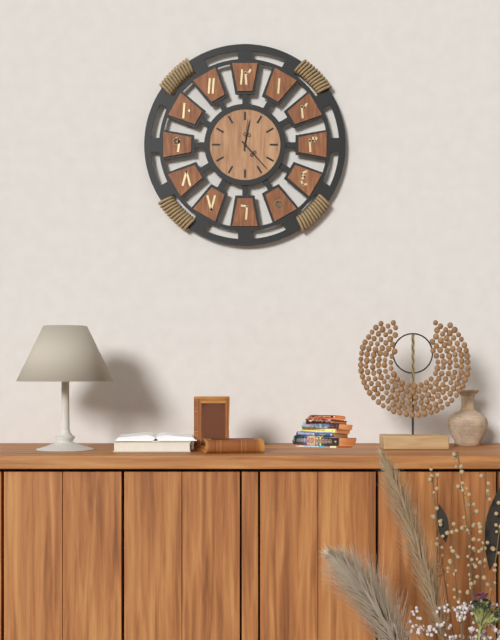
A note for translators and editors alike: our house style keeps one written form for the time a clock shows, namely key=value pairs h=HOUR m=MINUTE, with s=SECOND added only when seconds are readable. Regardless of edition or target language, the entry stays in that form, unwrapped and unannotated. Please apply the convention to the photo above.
h=12 m=23
